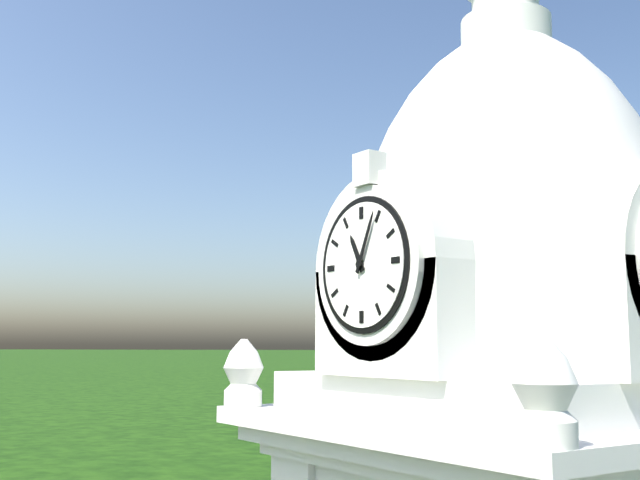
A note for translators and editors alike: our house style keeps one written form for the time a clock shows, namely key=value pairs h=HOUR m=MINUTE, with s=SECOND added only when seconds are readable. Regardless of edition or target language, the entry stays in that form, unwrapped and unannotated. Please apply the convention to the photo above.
h=11 m=4
